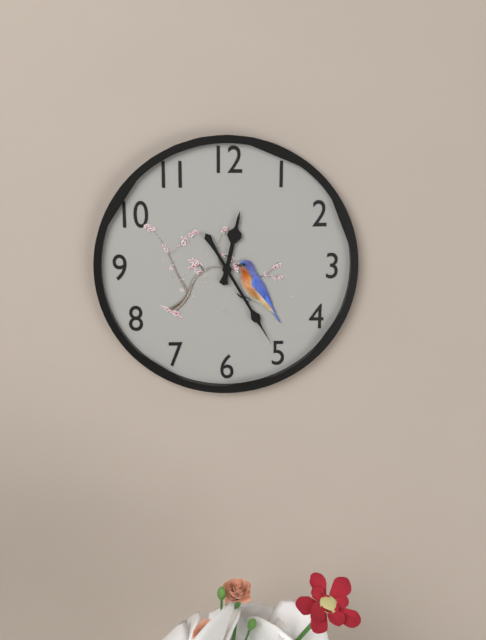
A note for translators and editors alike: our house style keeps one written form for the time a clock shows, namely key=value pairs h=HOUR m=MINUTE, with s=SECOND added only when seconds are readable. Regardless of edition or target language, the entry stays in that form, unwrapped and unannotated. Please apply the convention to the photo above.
h=12 m=25
